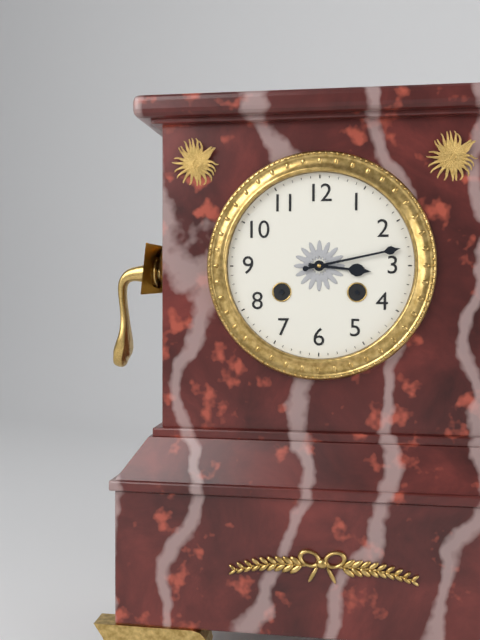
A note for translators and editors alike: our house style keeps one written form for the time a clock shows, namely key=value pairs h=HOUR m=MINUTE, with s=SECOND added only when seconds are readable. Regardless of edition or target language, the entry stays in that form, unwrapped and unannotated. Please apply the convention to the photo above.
h=3 m=13
